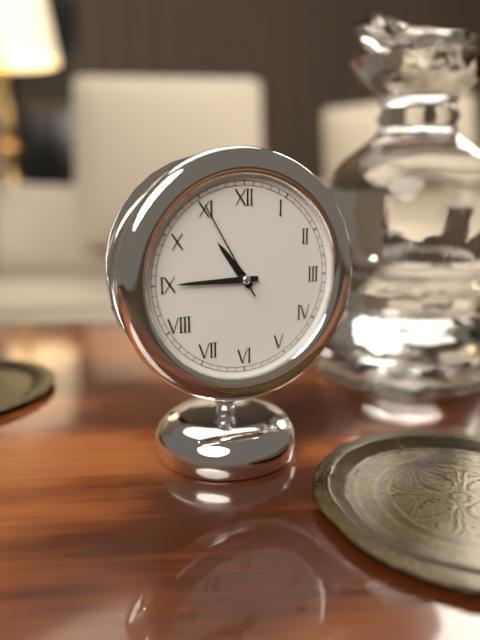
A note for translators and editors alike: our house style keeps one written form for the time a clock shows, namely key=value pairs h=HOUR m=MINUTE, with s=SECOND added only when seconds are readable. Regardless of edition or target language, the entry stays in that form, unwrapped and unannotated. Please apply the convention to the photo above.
h=10 m=45 s=55
